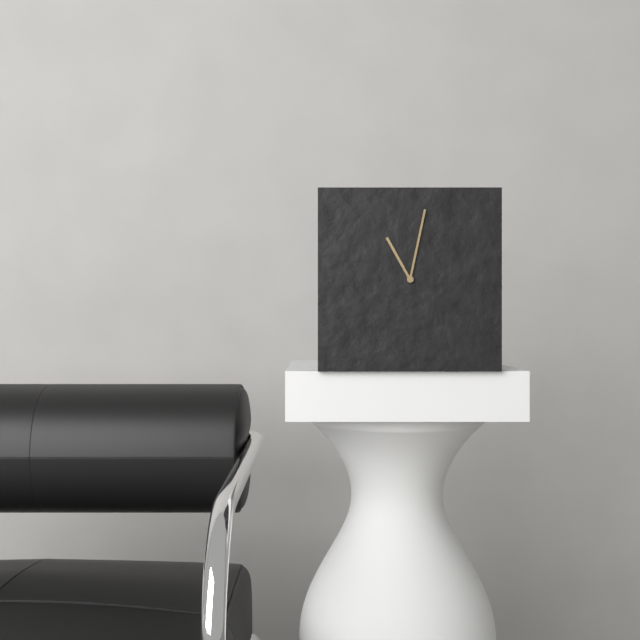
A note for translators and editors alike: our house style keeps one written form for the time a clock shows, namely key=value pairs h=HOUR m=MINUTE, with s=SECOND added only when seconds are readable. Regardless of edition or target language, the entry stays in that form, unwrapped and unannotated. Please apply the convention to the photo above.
h=11 m=2
